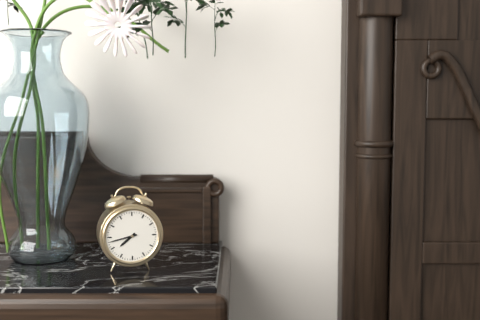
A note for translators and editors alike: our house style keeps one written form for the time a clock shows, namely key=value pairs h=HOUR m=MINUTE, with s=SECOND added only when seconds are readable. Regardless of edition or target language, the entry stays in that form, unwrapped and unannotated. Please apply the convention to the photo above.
h=7 m=43
